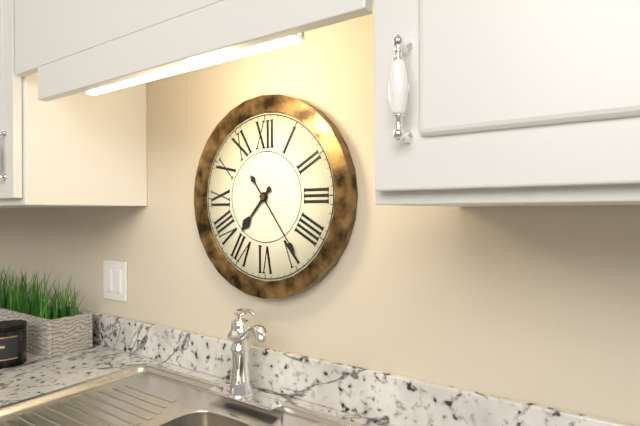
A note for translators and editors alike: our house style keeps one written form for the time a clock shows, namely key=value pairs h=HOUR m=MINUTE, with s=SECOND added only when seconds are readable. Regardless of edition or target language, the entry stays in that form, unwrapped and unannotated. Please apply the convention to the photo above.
h=7 m=24
